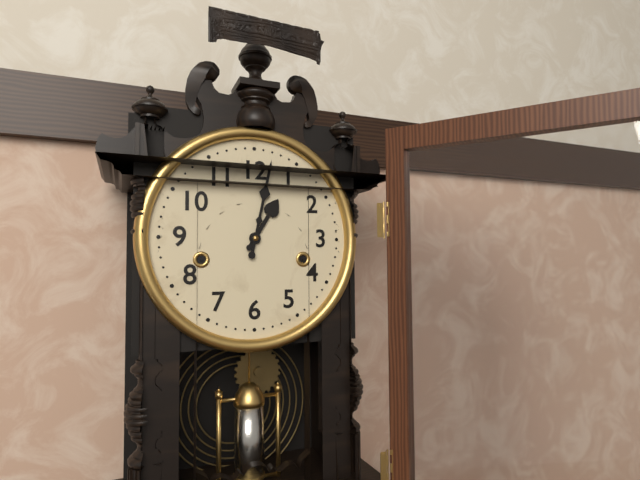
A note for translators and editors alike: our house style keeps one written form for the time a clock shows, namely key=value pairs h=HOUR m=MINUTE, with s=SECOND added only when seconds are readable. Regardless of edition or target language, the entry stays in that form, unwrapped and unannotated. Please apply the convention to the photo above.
h=1 m=2
